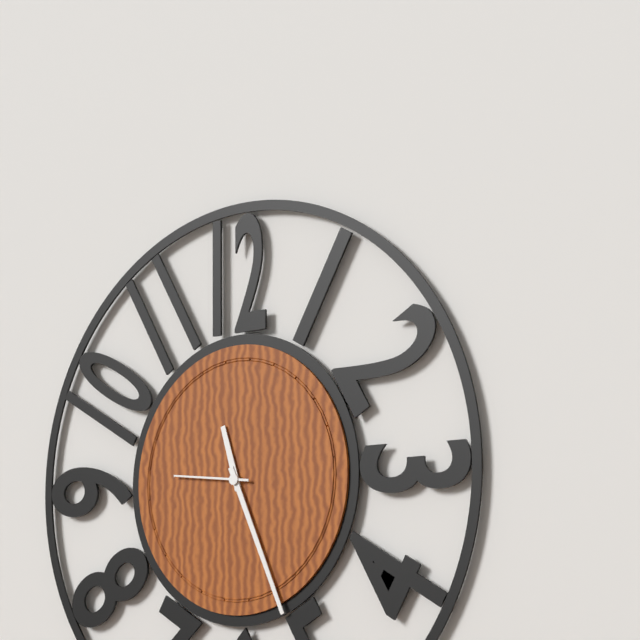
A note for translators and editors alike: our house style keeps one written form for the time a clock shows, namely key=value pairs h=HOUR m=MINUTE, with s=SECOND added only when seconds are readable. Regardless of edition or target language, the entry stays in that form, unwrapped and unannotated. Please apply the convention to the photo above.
h=11 m=26 s=46
